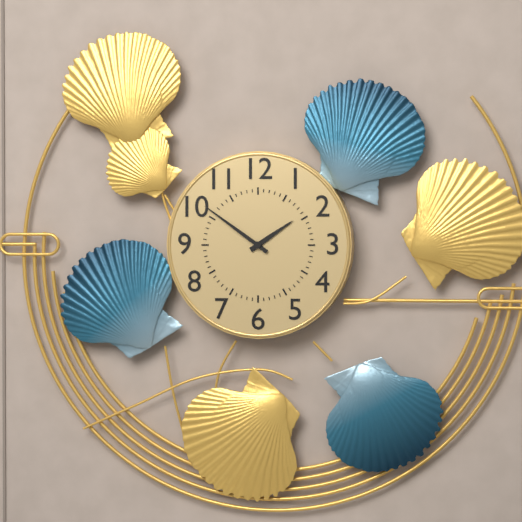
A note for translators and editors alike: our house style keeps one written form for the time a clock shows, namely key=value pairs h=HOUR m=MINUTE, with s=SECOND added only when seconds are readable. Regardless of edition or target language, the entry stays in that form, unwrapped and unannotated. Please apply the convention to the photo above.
h=1 m=51
